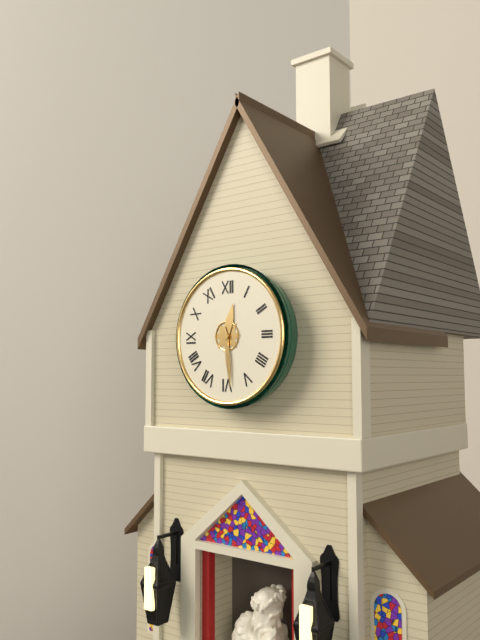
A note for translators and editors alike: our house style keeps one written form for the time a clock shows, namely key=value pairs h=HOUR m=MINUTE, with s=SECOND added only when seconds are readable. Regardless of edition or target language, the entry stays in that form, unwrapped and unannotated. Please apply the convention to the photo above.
h=12 m=29
